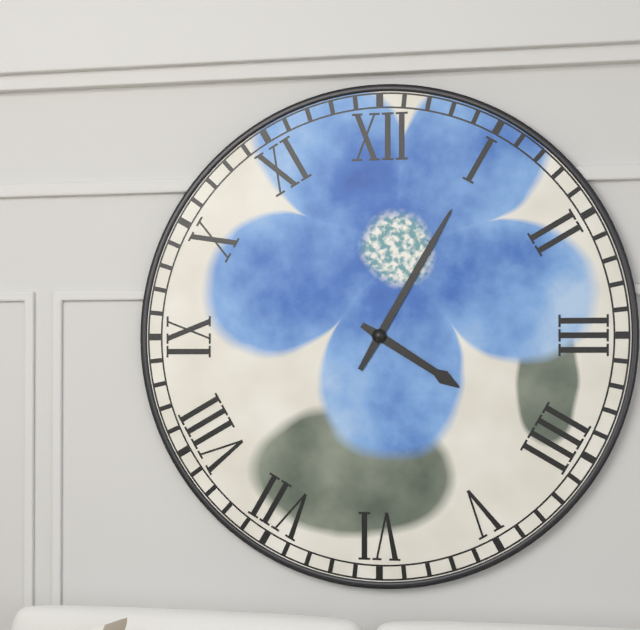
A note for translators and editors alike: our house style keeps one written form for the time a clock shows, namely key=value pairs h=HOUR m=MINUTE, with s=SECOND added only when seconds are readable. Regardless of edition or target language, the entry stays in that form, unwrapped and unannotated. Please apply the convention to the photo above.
h=4 m=5
